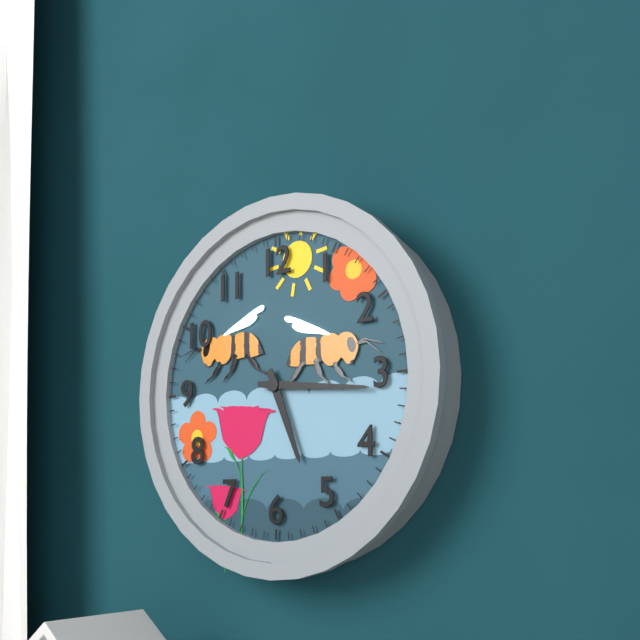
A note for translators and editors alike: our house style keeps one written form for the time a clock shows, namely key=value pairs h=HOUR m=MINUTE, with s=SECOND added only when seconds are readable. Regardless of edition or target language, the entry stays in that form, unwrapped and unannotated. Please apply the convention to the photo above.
h=5 m=16
